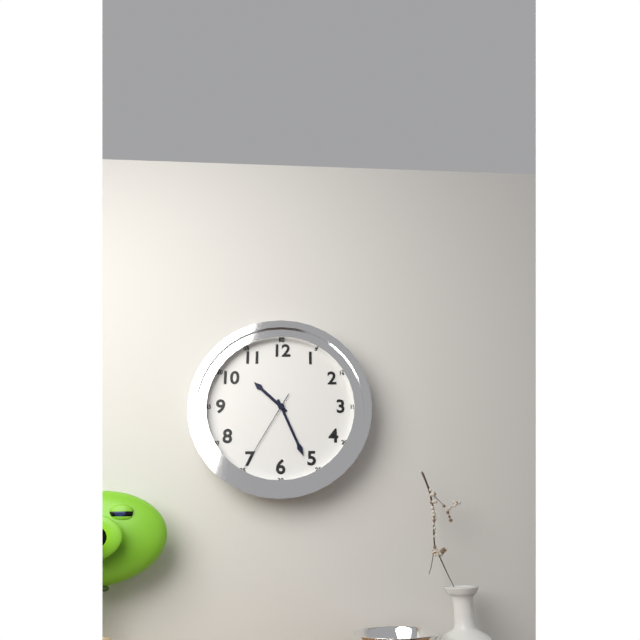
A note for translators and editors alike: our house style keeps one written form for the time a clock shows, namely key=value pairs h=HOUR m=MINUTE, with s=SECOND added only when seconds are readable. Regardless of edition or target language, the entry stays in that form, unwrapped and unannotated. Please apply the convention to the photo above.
h=10 m=26 s=35
